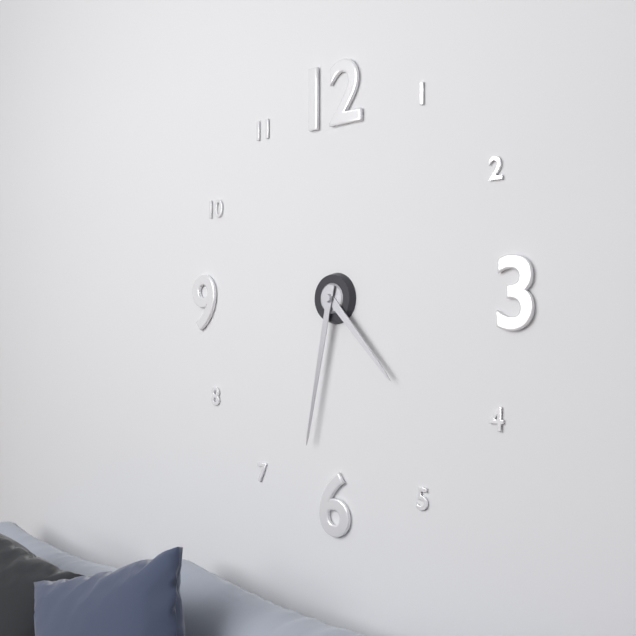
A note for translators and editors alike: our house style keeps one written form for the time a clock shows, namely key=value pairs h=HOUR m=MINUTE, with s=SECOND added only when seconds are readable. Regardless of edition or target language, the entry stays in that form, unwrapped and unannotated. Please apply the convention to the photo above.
h=4 m=32
